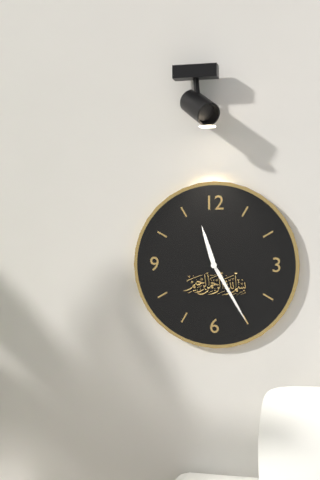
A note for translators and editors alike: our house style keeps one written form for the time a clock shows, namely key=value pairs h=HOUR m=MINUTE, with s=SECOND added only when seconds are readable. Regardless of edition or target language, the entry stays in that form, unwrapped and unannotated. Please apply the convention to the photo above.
h=11 m=25
